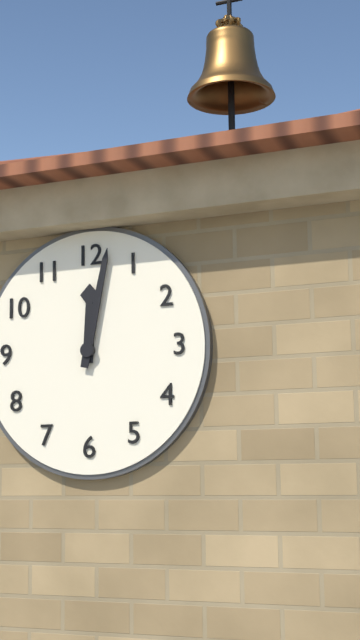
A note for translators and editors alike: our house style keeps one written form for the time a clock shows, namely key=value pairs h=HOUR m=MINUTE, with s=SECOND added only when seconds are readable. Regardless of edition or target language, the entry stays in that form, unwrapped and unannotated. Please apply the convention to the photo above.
h=12 m=2
